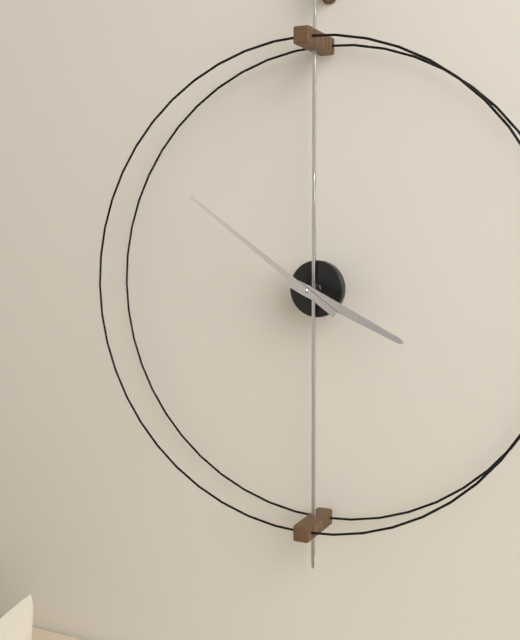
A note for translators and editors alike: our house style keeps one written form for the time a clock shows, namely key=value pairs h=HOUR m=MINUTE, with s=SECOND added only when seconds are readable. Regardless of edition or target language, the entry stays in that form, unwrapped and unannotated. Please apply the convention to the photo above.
h=3 m=51
